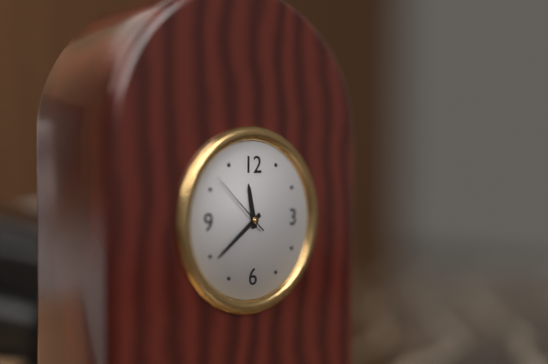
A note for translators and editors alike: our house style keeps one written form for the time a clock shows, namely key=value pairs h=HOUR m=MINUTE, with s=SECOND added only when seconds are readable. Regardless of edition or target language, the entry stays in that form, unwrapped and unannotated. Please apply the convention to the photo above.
h=11 m=39 s=52
